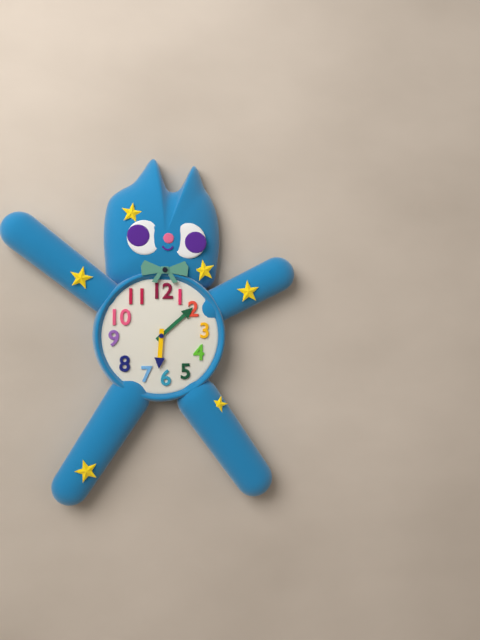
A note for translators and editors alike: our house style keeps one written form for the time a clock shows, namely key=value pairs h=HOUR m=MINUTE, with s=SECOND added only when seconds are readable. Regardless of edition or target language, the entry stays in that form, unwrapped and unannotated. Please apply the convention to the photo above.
h=6 m=8
